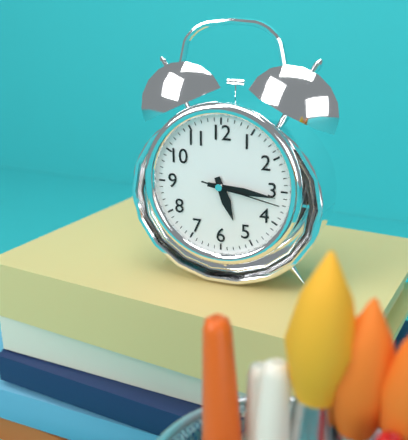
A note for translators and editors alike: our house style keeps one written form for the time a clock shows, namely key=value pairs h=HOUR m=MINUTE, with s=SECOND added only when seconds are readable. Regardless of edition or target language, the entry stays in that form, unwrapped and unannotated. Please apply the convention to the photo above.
h=5 m=16 s=17
